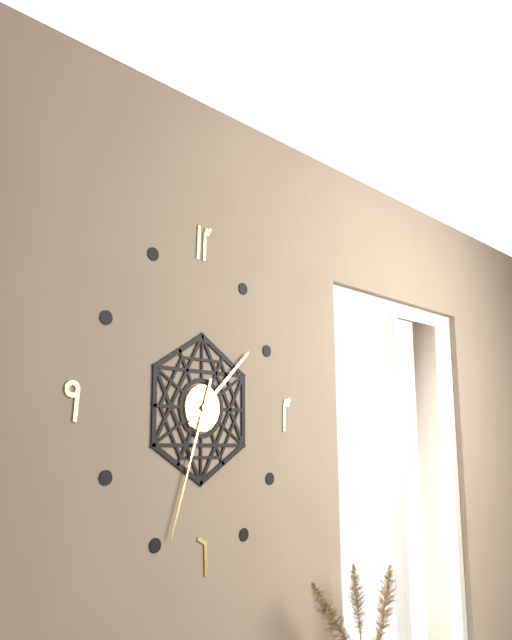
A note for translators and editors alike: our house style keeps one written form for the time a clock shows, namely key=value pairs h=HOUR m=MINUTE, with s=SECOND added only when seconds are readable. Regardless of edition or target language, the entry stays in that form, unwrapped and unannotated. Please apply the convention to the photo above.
h=1 m=33
